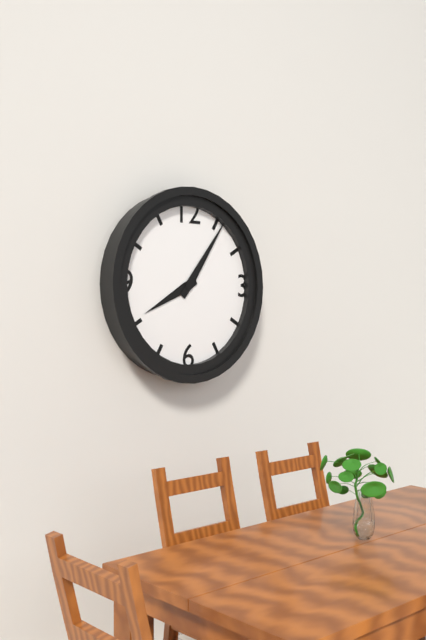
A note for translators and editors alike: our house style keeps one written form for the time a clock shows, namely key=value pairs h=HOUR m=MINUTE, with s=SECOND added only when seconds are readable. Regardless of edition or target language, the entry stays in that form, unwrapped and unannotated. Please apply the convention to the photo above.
h=8 m=6
